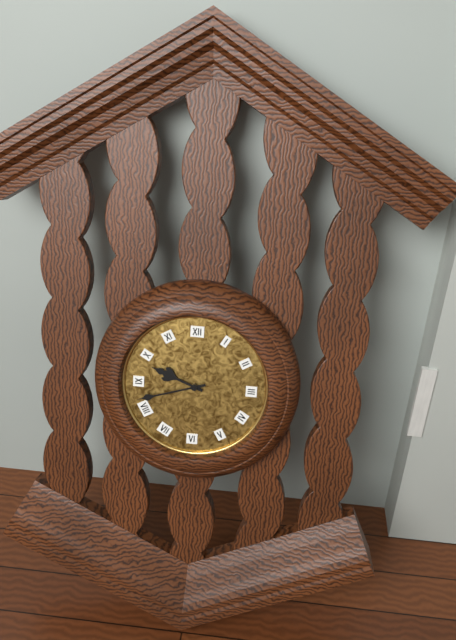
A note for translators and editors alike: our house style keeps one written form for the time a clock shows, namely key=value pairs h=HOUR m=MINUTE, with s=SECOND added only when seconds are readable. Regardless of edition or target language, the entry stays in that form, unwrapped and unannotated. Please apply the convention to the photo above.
h=9 m=42
